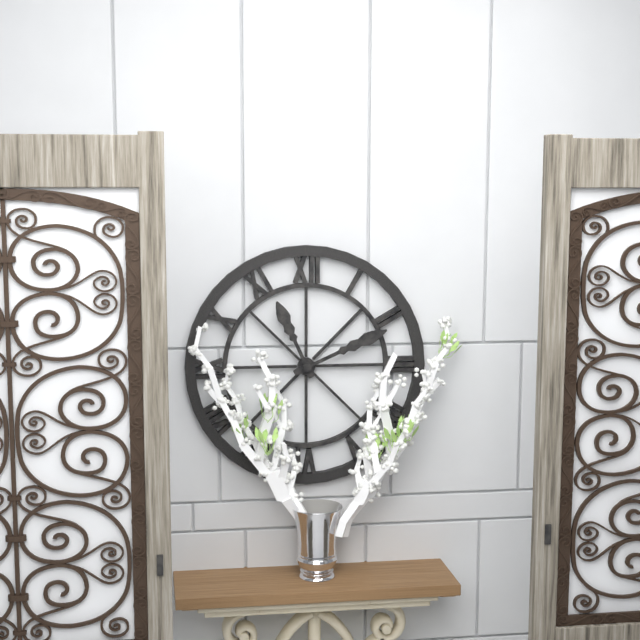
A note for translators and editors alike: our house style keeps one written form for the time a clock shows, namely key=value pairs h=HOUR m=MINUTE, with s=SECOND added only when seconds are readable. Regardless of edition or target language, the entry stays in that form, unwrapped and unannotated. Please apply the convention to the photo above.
h=11 m=11
